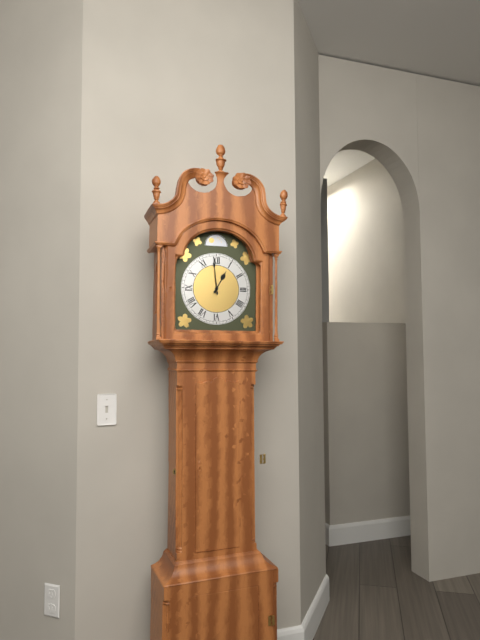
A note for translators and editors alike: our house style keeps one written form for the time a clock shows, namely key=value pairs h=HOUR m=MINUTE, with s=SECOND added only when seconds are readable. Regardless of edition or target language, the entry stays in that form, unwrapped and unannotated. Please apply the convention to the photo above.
h=12 m=59
